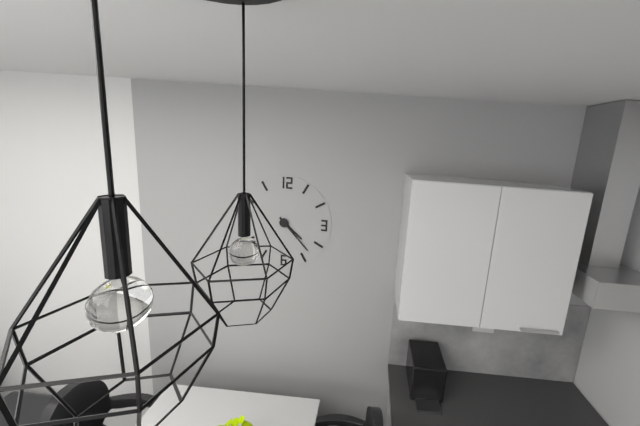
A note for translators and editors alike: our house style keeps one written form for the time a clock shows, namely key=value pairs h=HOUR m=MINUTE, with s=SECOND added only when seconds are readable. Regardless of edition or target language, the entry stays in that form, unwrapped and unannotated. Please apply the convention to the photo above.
h=4 m=23
